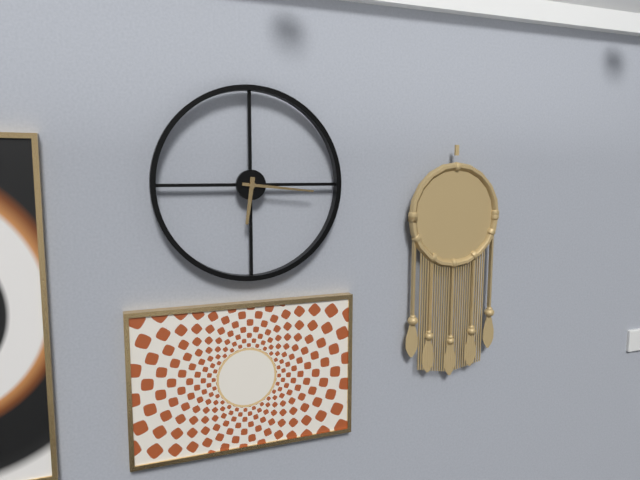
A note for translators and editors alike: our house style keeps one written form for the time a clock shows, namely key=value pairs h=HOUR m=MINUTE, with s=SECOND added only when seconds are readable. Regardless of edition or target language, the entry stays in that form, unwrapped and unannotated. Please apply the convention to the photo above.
h=6 m=16
